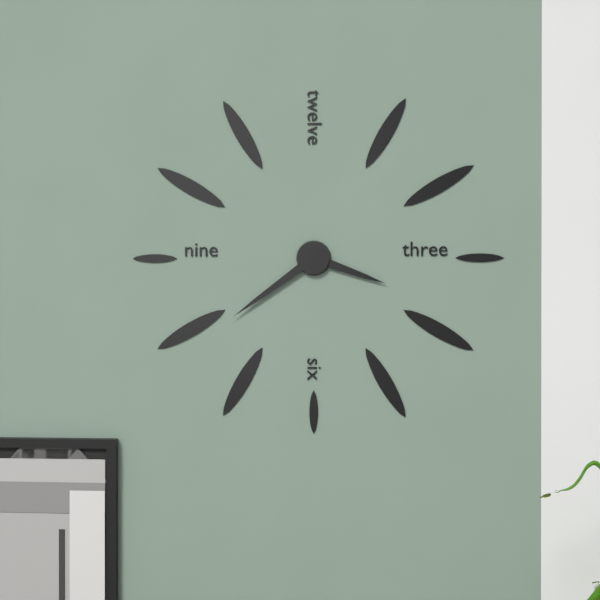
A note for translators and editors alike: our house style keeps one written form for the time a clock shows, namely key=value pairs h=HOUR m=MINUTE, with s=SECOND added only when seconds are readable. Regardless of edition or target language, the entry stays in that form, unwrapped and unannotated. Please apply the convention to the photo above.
h=3 m=39
